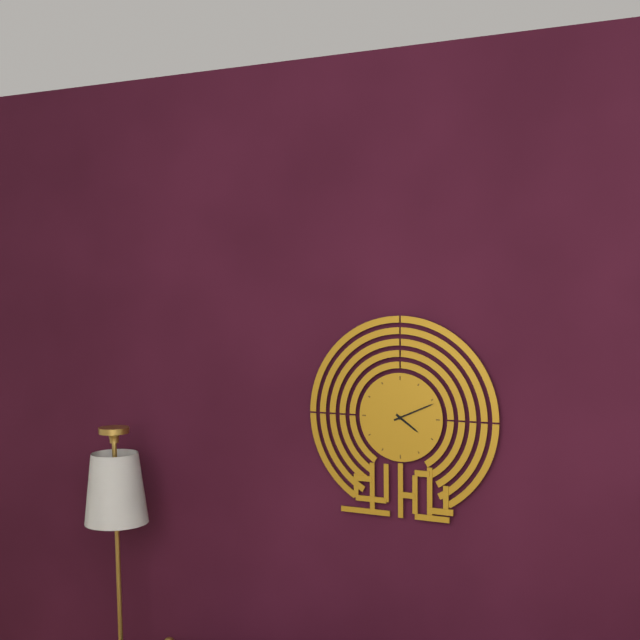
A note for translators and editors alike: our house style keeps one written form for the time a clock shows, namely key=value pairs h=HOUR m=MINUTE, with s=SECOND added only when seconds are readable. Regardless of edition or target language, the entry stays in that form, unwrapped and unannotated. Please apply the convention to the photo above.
h=4 m=11
